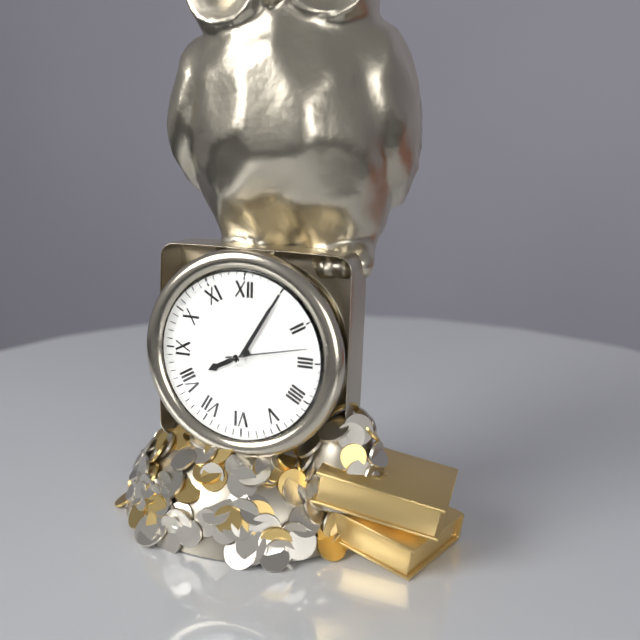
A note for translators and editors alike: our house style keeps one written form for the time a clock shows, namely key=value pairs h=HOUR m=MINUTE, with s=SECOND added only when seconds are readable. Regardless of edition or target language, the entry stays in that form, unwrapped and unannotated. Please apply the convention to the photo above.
h=8 m=5 s=13
